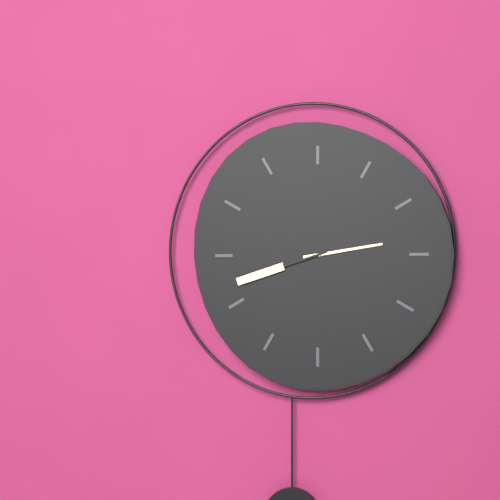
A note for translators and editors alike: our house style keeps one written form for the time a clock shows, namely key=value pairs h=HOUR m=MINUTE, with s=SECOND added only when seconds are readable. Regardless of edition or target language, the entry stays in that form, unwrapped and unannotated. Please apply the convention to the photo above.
h=2 m=42
